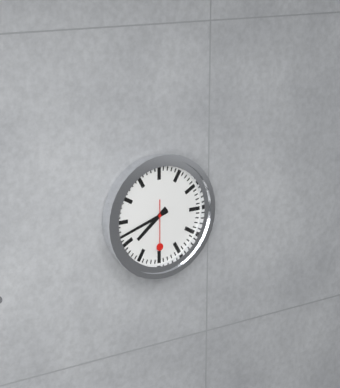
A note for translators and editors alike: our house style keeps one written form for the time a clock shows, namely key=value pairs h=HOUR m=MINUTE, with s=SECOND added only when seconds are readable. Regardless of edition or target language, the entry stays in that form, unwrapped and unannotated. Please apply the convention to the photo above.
h=7 m=42
